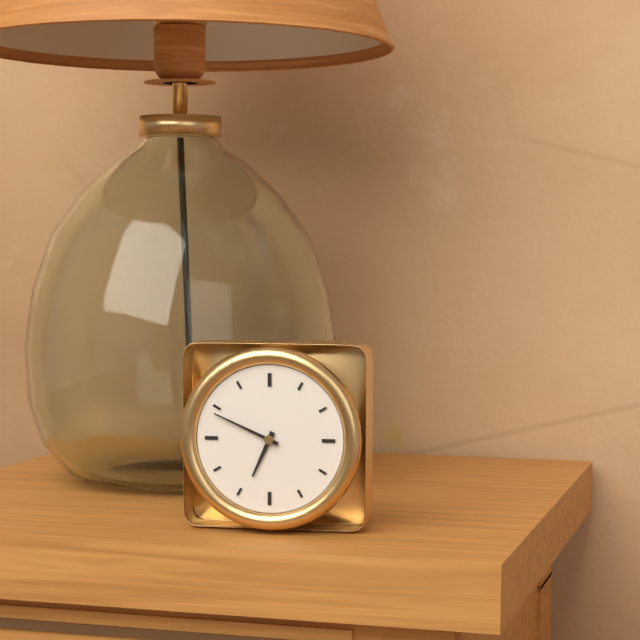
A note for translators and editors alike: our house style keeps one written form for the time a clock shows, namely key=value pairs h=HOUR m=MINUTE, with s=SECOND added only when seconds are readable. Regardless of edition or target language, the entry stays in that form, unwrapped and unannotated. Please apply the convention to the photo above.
h=6 m=49
